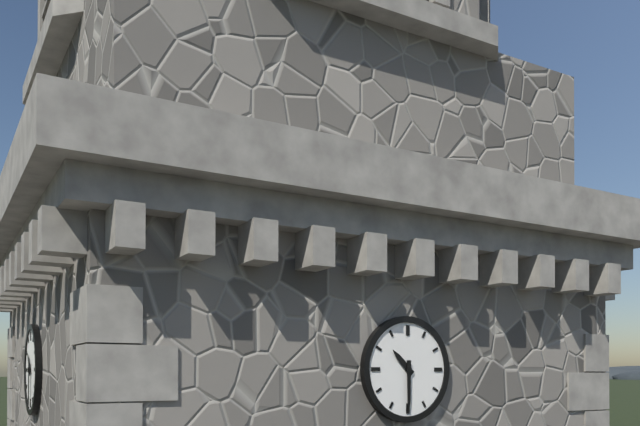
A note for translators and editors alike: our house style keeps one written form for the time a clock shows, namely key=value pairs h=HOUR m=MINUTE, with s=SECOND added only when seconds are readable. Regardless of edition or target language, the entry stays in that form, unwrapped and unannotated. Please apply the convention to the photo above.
h=10 m=30
